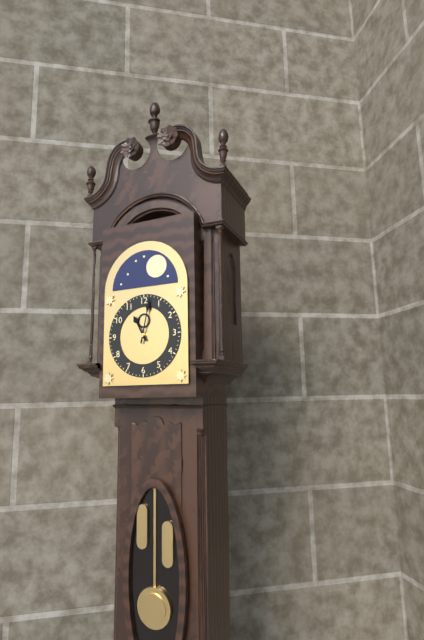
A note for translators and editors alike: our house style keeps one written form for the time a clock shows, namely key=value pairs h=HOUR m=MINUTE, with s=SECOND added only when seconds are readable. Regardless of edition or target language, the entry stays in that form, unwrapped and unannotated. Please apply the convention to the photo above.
h=11 m=2
